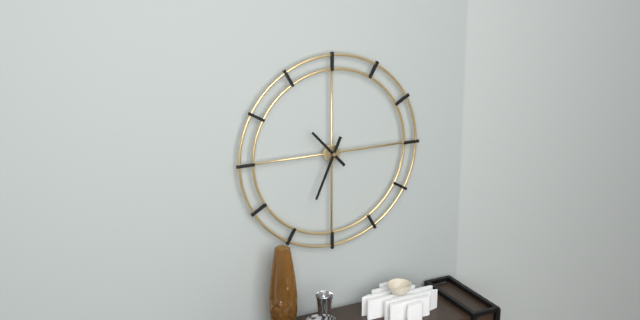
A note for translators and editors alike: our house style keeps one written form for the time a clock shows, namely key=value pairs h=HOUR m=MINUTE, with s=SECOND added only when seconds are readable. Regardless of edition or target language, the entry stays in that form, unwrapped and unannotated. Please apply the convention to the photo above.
h=10 m=34
